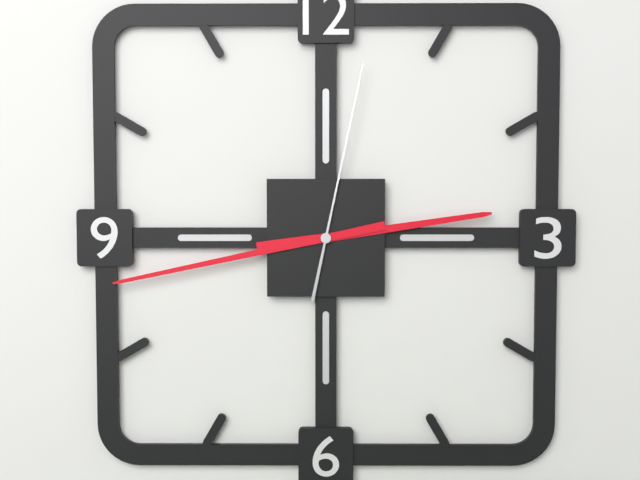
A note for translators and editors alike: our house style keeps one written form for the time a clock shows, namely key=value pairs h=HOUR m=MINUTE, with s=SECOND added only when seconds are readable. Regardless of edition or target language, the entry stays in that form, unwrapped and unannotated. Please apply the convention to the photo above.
h=2 m=43 s=2
